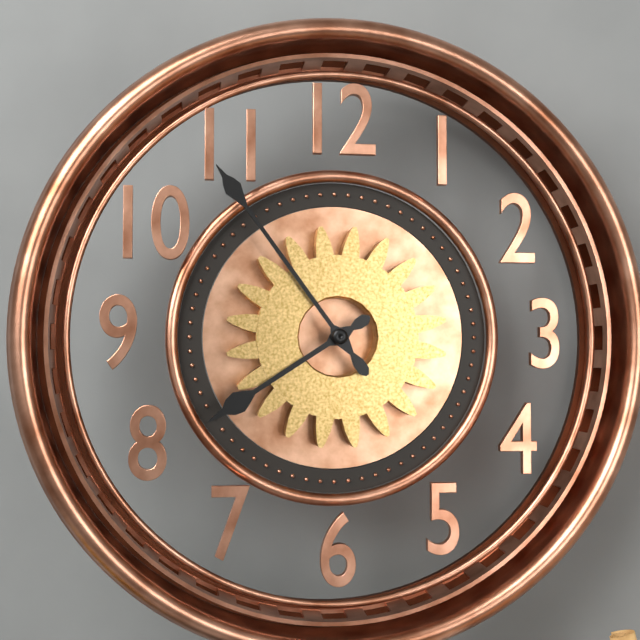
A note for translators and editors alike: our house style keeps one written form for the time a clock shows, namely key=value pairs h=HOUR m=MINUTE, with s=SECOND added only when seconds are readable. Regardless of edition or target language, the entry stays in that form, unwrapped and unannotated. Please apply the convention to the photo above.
h=7 m=54
